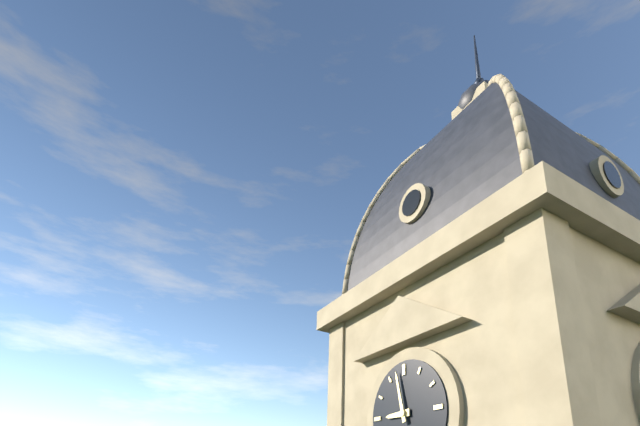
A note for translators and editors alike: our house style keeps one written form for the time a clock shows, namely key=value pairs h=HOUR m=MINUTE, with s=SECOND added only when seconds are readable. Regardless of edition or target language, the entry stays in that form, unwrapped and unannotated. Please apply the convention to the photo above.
h=8 m=58
